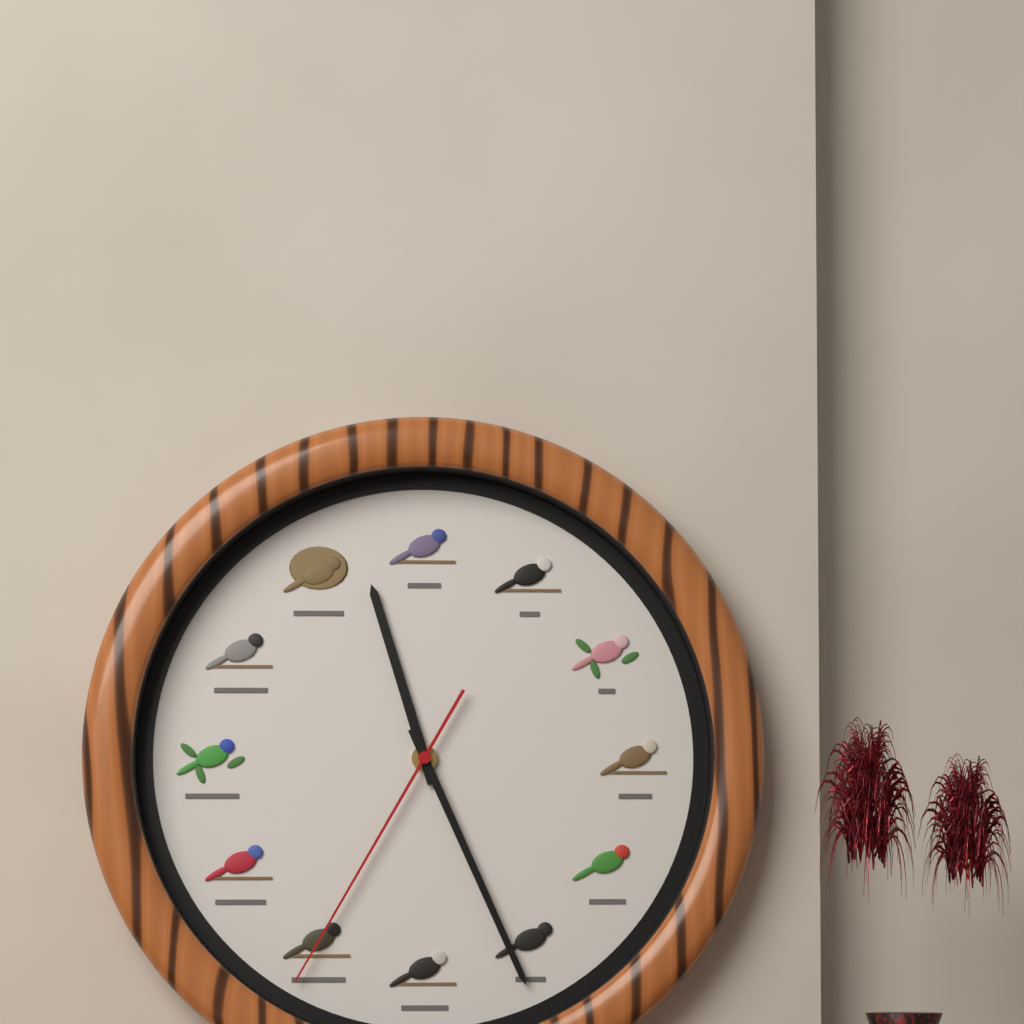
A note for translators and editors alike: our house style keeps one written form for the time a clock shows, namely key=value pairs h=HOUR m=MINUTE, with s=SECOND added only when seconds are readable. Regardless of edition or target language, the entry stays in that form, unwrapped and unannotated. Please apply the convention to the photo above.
h=11 m=26 s=35
